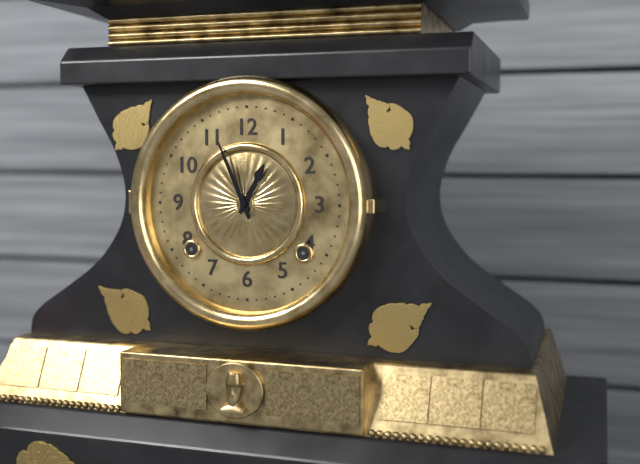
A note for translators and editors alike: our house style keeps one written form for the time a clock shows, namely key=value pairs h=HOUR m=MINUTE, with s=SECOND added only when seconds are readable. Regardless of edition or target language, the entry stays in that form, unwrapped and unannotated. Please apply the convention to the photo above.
h=12 m=56
